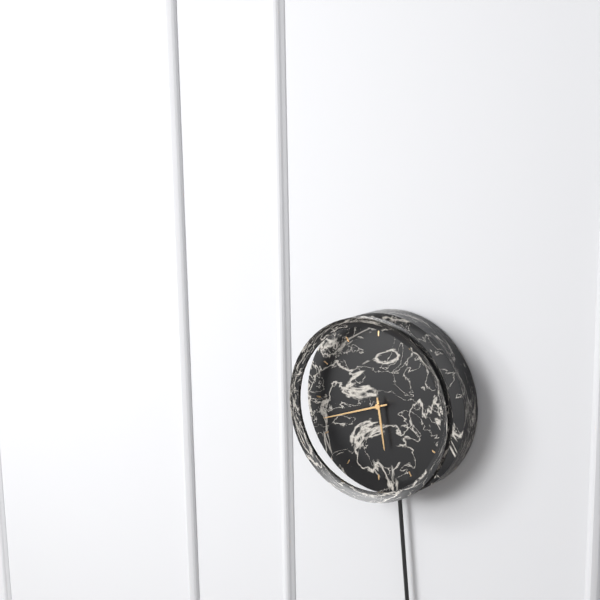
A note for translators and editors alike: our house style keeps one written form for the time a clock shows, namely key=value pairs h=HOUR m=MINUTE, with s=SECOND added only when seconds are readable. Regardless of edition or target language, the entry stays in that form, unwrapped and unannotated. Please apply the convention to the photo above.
h=5 m=42
